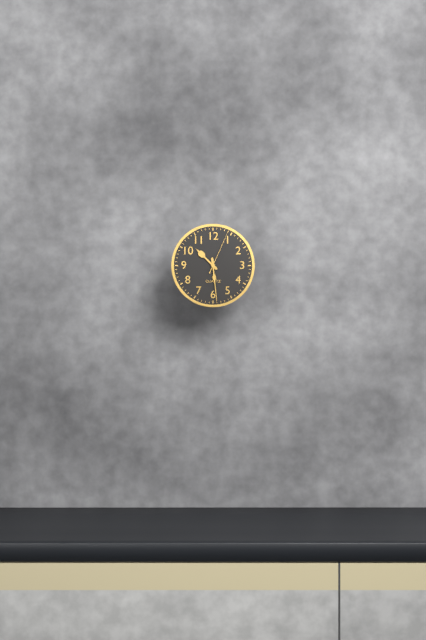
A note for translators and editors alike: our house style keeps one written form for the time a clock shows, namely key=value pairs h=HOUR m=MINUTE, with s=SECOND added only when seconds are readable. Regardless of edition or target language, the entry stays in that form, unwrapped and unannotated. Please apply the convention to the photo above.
h=10 m=29
